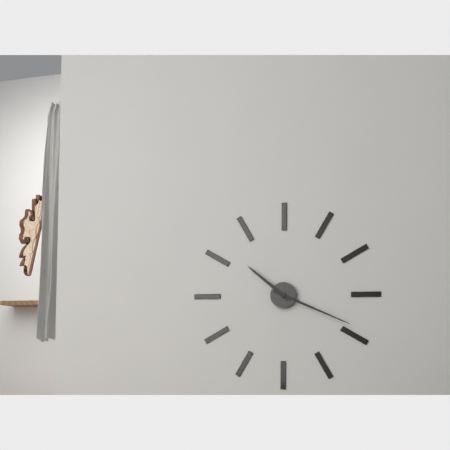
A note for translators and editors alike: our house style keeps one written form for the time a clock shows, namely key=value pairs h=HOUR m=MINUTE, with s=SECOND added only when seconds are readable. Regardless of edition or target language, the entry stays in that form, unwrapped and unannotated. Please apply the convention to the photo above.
h=10 m=19
